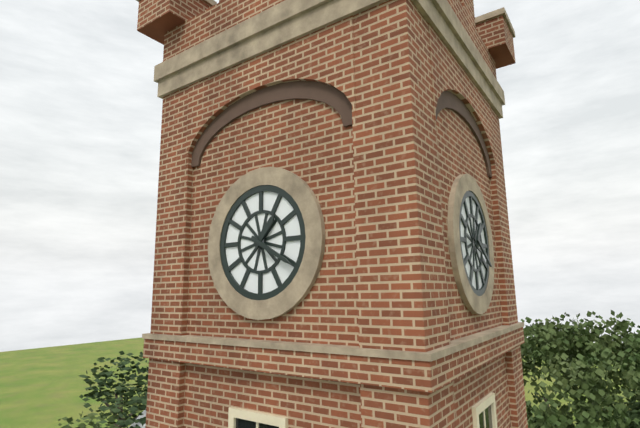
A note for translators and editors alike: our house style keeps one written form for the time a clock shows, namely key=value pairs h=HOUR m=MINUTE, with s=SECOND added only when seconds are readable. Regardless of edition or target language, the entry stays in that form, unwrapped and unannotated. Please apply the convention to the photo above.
h=1 m=20
